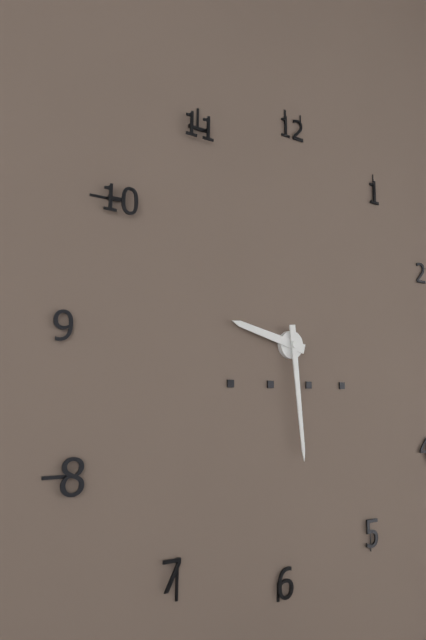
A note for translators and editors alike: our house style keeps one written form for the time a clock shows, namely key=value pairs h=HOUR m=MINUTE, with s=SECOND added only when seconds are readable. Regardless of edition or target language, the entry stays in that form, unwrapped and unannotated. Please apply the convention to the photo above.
h=9 m=29
